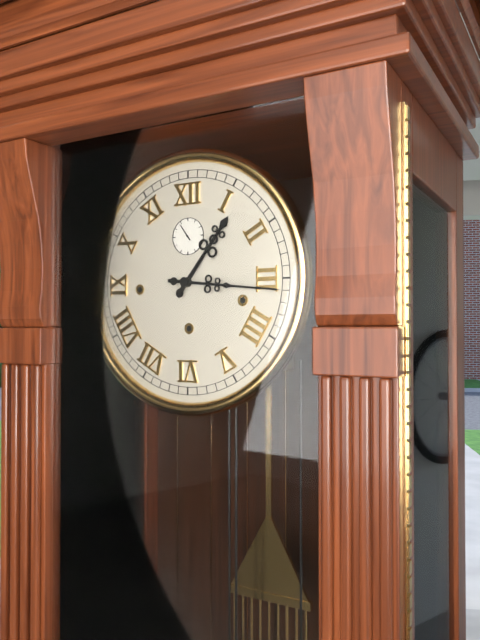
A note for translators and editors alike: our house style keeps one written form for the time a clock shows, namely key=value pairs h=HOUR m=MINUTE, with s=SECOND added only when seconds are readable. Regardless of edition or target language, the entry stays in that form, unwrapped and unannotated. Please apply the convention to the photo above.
h=1 m=16 s=54
